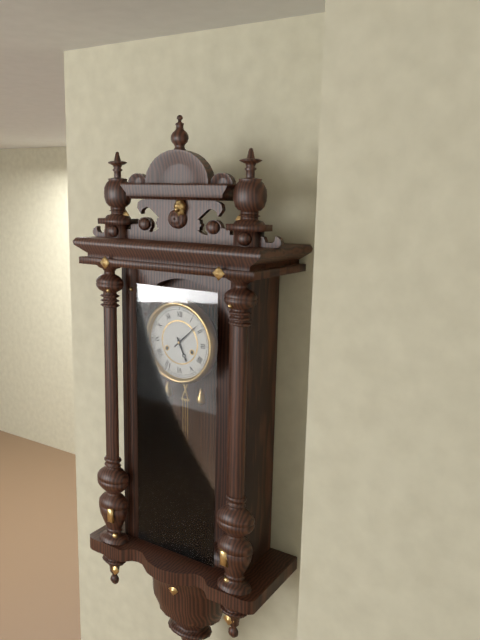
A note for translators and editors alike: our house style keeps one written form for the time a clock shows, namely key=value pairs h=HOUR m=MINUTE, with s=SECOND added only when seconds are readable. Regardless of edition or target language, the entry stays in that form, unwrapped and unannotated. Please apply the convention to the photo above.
h=5 m=8
